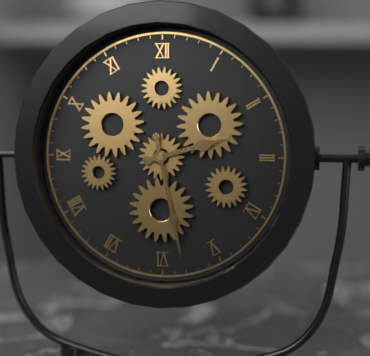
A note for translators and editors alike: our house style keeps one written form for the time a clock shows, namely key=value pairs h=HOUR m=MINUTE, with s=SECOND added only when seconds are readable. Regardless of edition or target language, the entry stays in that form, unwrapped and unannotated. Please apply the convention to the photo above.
h=2 m=28
